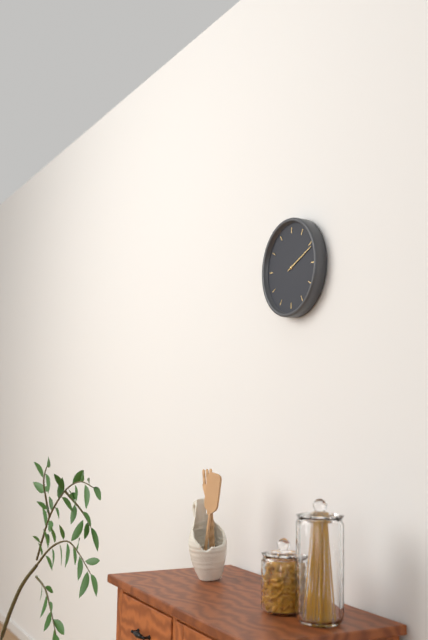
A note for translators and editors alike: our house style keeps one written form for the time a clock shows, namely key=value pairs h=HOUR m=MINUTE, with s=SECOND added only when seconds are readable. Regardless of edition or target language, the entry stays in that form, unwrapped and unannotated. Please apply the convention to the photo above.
h=2 m=11
